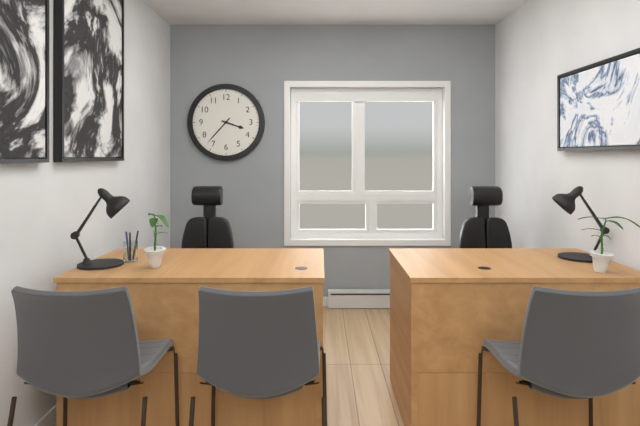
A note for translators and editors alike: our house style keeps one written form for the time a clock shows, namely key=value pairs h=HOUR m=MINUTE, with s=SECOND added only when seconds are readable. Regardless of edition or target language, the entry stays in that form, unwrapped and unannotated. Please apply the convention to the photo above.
h=3 m=37
